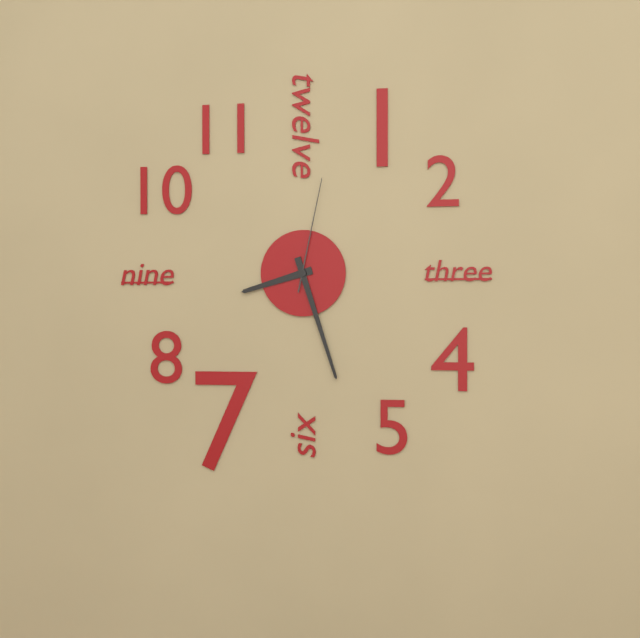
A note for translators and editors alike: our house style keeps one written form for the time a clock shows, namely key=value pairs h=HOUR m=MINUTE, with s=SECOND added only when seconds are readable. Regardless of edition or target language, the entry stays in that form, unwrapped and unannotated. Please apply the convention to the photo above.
h=8 m=27 s=2
